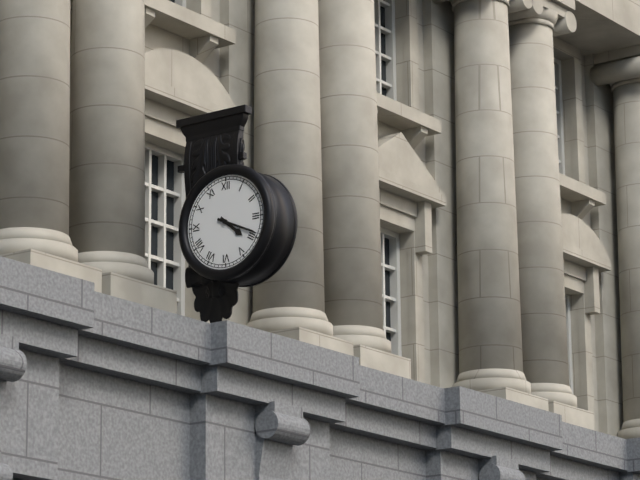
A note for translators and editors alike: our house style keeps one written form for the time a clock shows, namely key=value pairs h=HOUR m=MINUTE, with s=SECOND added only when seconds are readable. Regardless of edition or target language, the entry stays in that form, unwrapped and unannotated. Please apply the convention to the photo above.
h=4 m=19
